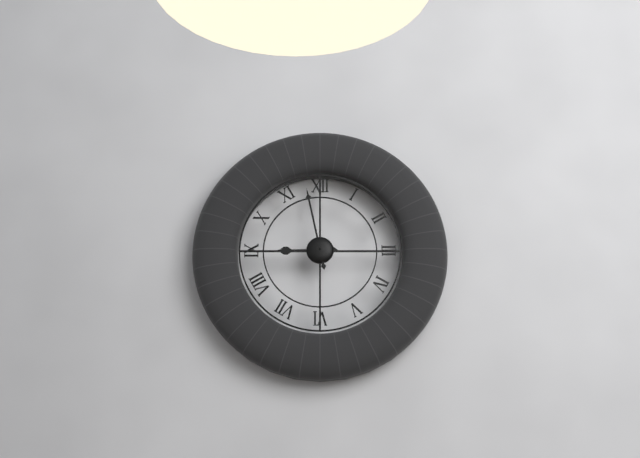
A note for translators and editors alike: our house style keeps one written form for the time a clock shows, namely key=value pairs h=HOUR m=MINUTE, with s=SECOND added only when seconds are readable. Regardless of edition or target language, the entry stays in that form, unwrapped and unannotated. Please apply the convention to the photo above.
h=8 m=58
